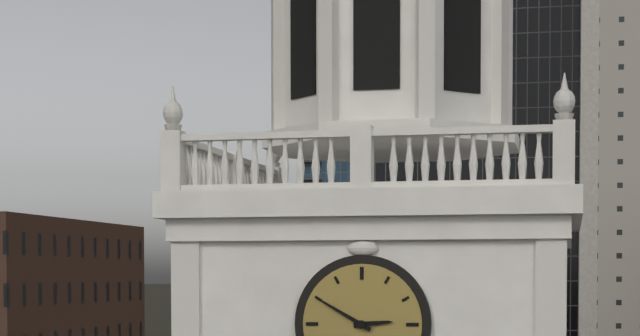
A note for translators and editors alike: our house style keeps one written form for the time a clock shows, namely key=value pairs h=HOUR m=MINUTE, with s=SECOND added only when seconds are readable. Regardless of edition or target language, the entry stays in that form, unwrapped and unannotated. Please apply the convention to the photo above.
h=2 m=50
